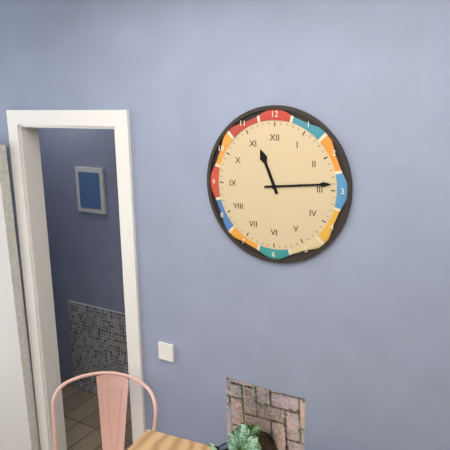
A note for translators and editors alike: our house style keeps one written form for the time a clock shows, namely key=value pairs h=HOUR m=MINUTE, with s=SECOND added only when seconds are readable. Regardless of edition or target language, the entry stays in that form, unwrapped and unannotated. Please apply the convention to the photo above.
h=11 m=14
